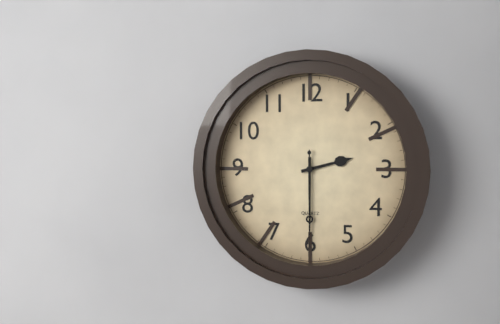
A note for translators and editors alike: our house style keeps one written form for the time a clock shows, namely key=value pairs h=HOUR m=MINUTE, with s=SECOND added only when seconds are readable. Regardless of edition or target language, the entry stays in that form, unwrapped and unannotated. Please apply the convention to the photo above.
h=2 m=30 s=30
